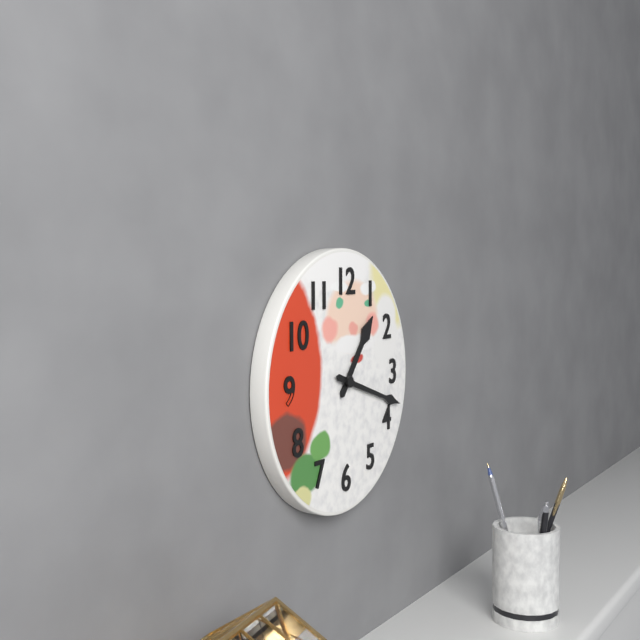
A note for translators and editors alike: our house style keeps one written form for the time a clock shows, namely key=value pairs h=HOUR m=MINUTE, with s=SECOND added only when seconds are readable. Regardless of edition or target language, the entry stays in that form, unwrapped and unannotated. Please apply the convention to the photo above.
h=1 m=18
